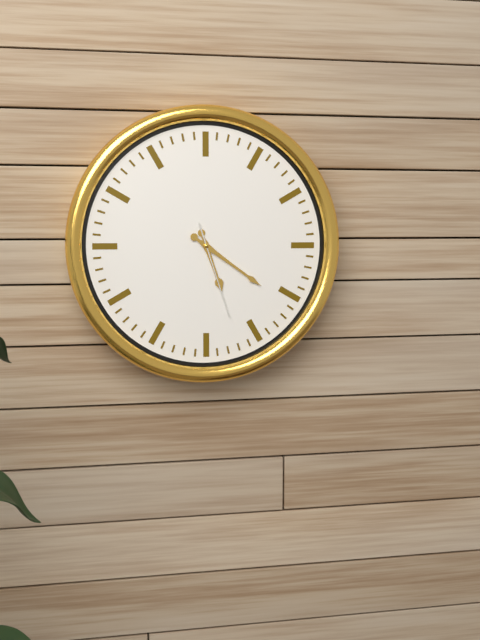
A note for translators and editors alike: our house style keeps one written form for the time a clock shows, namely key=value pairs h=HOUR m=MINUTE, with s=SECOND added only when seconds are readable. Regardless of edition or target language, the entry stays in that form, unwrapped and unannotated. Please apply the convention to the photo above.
h=5 m=21 s=27
